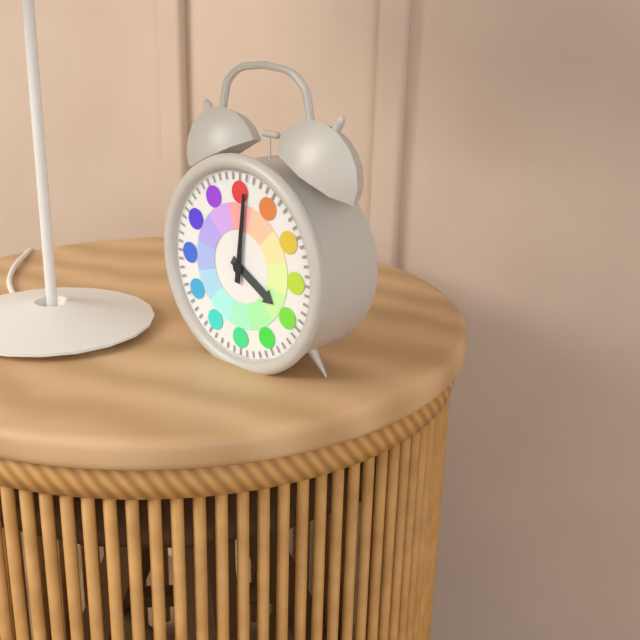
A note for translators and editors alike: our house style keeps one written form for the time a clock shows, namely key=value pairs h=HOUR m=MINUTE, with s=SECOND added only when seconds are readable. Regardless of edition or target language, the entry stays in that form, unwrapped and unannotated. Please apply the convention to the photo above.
h=4 m=1
